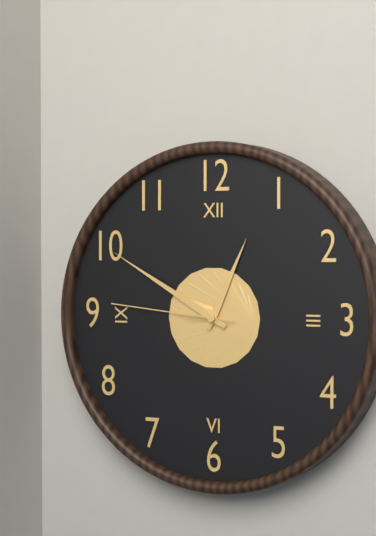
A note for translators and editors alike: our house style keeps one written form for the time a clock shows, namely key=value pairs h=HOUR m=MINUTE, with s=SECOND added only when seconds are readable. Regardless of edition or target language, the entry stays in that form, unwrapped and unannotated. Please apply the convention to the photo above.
h=12 m=50 s=46
